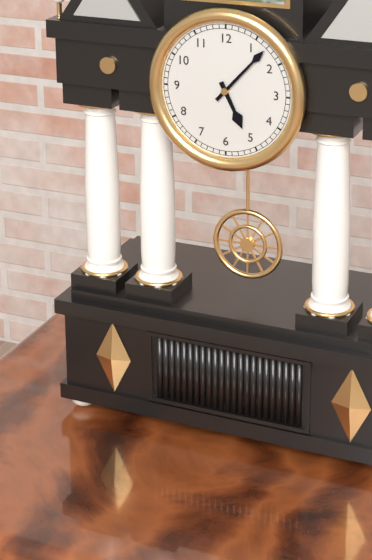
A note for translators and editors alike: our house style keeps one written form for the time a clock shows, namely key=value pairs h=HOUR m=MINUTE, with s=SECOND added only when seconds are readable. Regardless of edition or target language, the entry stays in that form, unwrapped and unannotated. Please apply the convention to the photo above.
h=5 m=7
